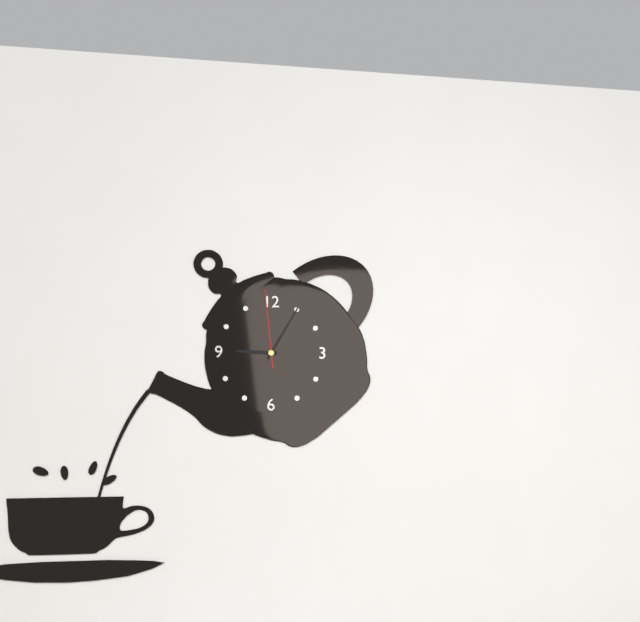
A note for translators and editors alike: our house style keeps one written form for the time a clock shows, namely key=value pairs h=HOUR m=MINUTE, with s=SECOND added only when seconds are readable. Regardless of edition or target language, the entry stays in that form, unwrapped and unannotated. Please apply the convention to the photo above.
h=9 m=5 s=59
